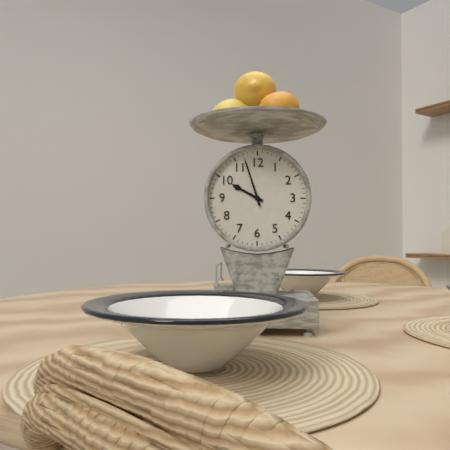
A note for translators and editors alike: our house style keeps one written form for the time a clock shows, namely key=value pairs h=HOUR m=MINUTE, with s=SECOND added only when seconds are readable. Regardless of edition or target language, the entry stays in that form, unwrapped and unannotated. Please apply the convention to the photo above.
h=9 m=57
